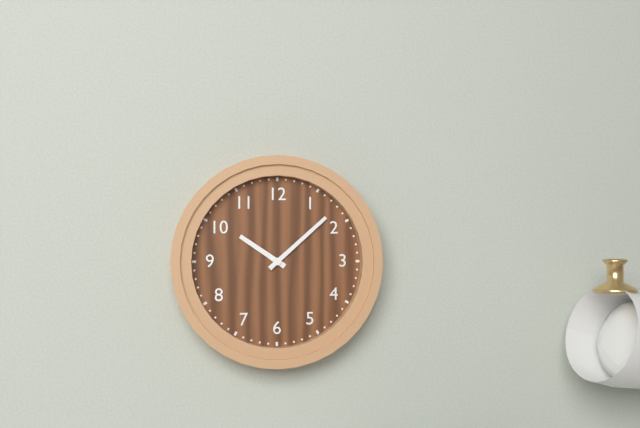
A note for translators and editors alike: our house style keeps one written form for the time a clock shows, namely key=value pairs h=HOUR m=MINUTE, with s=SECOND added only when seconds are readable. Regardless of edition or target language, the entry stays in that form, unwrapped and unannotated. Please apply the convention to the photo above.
h=10 m=8
